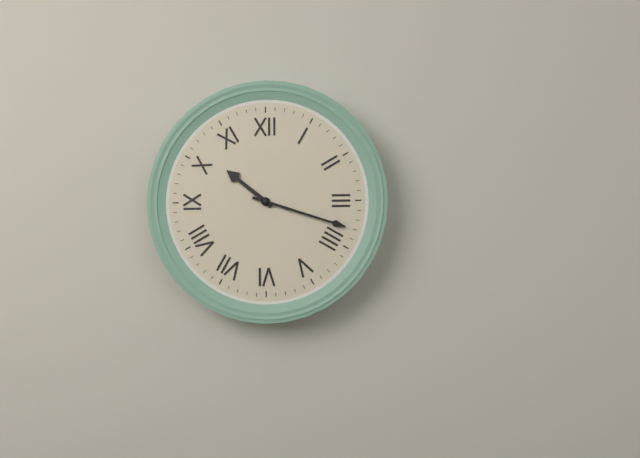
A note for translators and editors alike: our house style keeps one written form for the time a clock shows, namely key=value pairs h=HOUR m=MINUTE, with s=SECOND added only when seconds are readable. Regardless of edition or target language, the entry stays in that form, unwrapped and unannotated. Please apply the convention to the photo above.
h=10 m=18
